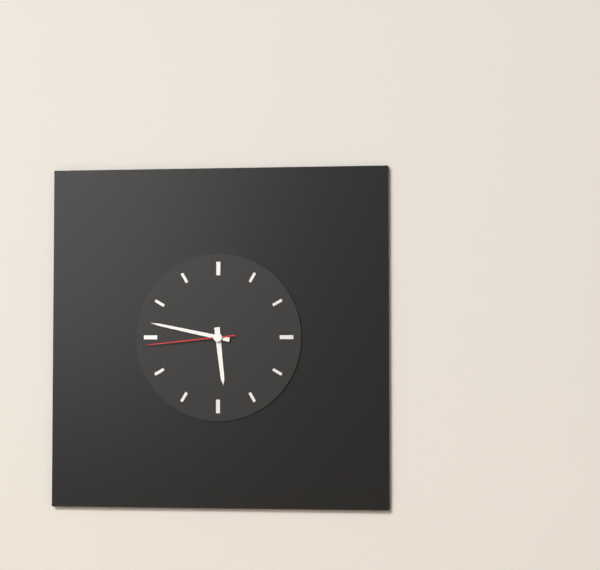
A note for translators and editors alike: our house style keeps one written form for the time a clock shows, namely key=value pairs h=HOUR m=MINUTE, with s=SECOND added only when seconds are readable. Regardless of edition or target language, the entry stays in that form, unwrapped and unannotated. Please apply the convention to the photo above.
h=5 m=47 s=44
